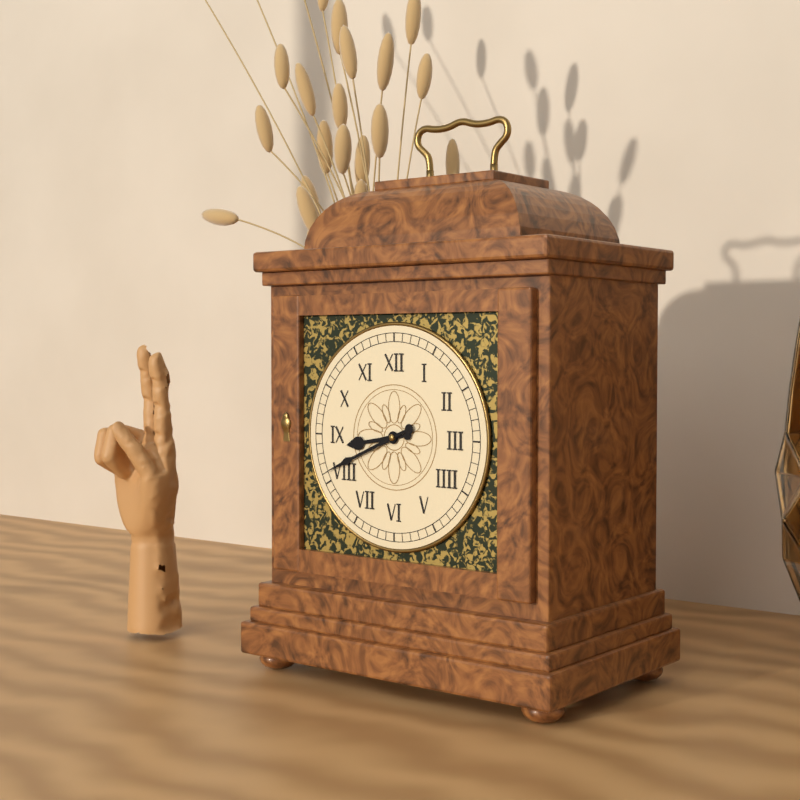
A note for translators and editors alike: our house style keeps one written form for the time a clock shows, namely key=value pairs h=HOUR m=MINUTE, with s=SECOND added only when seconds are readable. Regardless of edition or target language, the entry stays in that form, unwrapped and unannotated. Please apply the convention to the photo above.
h=8 m=41
